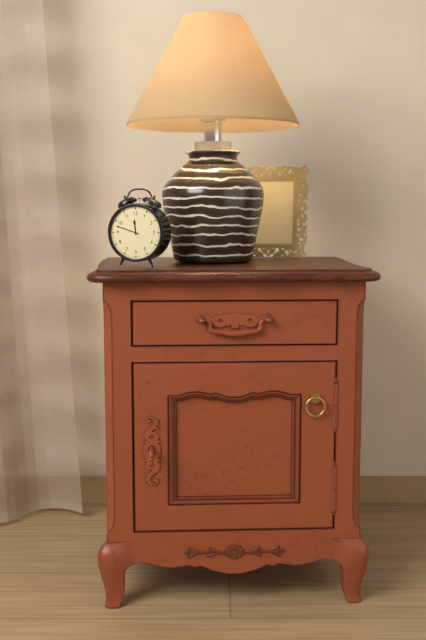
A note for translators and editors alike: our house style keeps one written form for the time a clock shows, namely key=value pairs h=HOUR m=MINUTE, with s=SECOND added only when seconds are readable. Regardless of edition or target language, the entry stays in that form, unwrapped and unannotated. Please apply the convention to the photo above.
h=11 m=48
